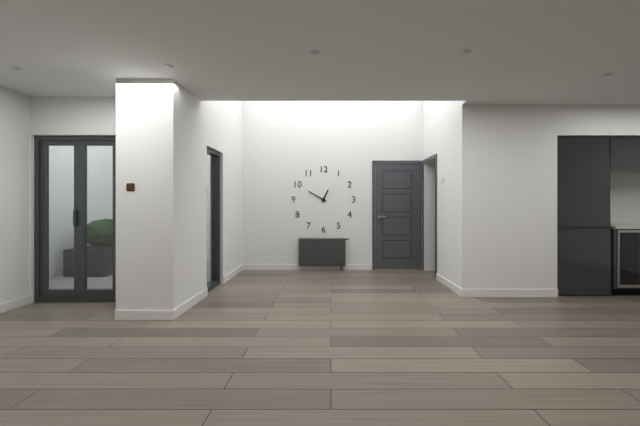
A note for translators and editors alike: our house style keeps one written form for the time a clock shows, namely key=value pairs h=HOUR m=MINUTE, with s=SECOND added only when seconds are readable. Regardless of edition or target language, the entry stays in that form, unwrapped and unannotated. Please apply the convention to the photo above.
h=12 m=50
